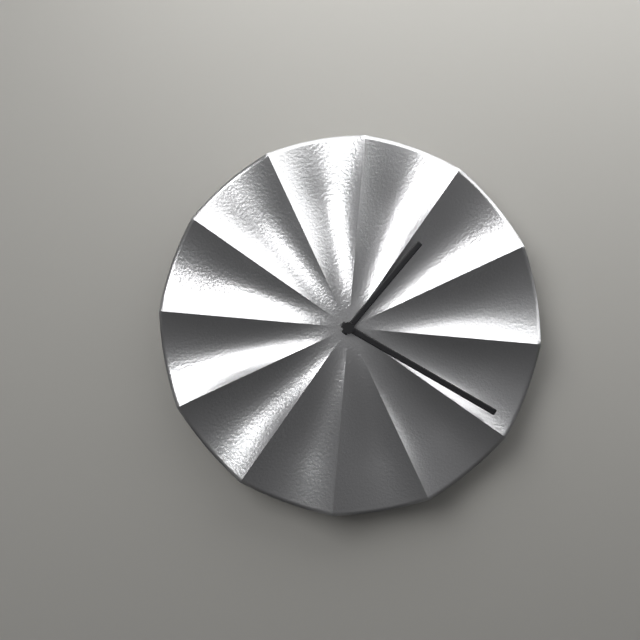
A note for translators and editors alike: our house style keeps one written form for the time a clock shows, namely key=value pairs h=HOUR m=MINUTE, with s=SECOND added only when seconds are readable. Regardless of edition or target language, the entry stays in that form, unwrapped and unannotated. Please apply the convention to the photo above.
h=1 m=20
